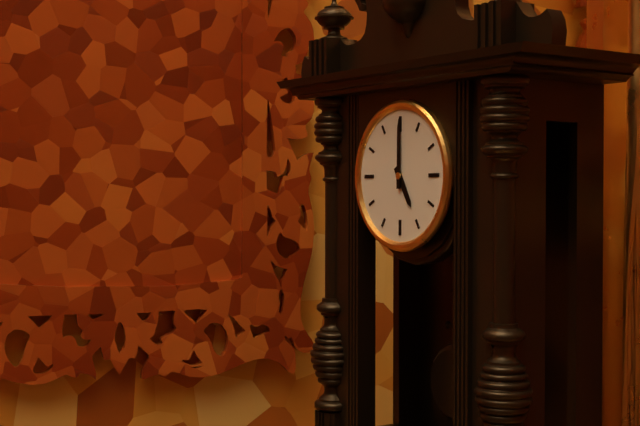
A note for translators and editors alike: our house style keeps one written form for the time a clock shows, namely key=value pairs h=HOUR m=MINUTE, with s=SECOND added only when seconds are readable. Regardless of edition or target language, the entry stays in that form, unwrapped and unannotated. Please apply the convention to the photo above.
h=5 m=0
